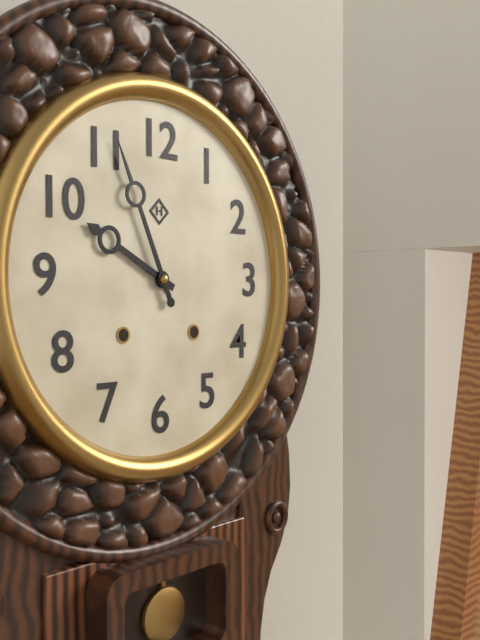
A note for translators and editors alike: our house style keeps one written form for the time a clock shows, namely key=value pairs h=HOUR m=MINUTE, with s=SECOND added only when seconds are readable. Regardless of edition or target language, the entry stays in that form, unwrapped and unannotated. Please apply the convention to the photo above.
h=9 m=56
